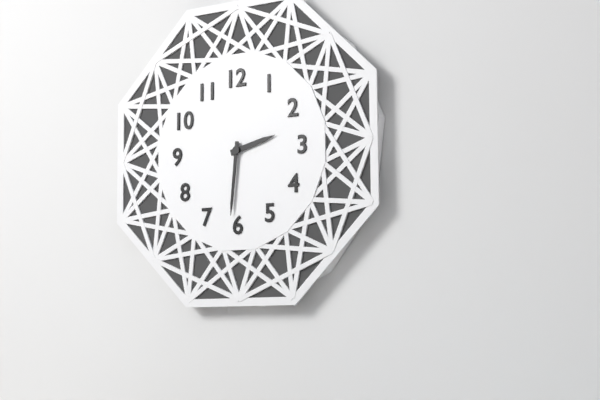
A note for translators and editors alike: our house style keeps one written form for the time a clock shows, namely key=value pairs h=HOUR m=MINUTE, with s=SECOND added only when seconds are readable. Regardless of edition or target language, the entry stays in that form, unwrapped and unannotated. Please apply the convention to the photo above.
h=2 m=31
